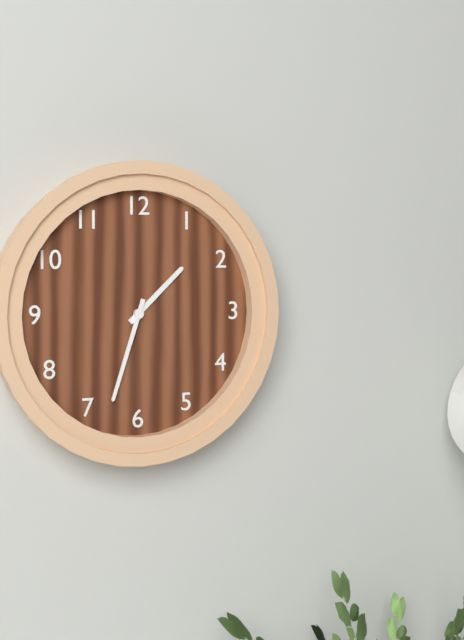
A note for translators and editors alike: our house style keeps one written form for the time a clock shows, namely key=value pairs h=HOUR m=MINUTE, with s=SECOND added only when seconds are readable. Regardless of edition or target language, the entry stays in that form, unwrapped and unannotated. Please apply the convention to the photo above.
h=1 m=33
